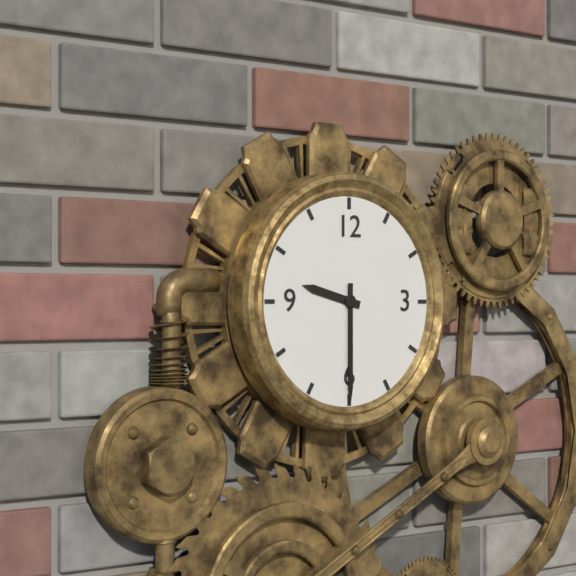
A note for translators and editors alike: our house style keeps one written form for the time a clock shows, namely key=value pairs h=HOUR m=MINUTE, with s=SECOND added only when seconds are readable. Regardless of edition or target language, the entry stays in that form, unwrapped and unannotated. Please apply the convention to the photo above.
h=9 m=30
